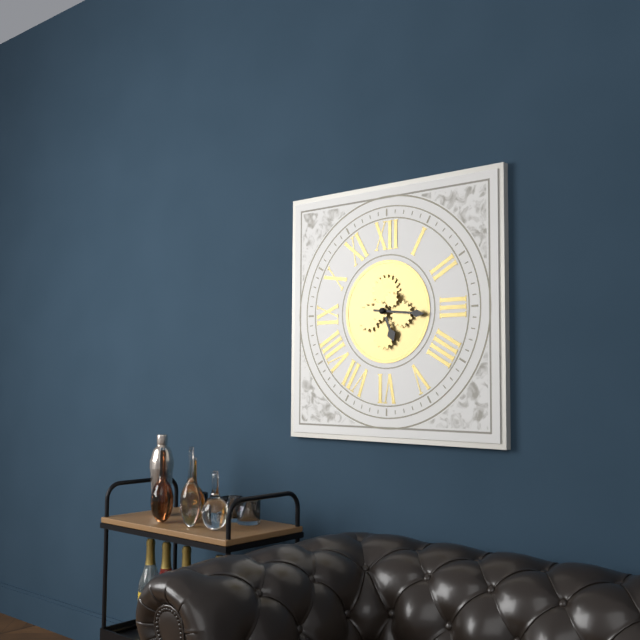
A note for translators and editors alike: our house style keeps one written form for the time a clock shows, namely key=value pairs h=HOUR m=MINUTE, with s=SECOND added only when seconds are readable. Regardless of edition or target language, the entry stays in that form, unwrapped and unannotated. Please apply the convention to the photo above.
h=5 m=16
